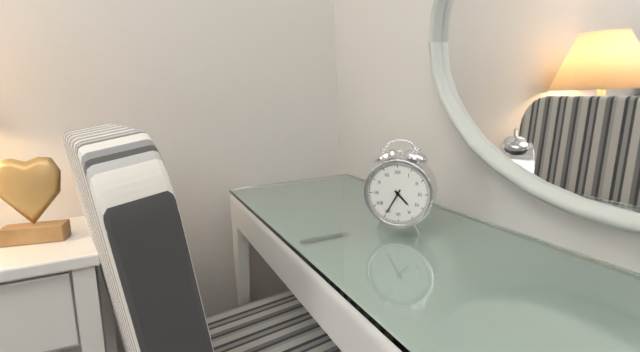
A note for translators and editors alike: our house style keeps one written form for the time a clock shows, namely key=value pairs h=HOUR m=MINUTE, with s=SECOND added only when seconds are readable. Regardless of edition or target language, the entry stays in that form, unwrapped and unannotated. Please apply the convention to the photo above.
h=4 m=35
